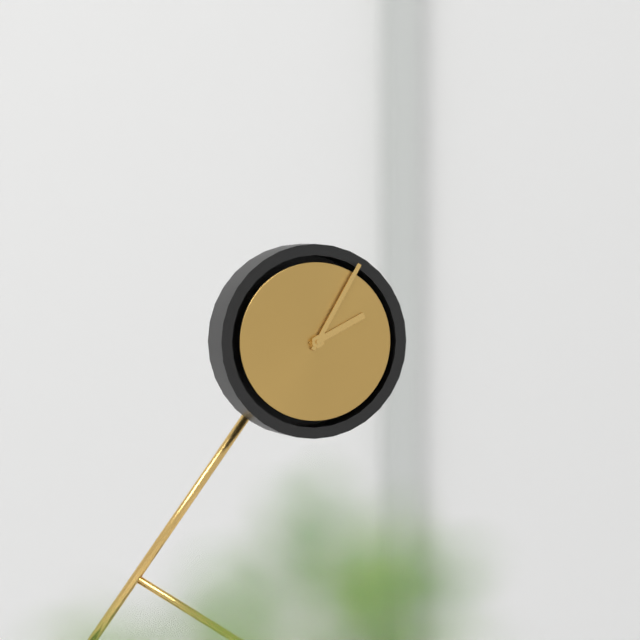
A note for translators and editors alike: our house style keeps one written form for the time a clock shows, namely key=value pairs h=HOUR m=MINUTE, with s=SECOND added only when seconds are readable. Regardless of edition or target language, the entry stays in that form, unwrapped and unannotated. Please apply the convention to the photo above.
h=2 m=5
